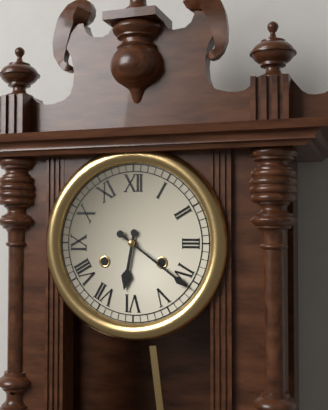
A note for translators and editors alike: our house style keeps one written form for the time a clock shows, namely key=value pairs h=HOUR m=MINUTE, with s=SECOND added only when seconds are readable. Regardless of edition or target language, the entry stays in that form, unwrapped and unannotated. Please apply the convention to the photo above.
h=6 m=21
